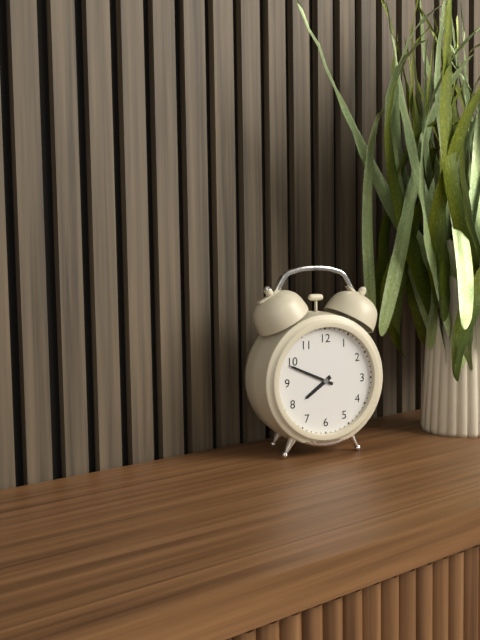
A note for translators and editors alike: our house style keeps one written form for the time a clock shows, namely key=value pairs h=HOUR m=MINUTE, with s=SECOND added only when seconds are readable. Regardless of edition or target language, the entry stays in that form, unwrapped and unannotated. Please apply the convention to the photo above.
h=7 m=49
